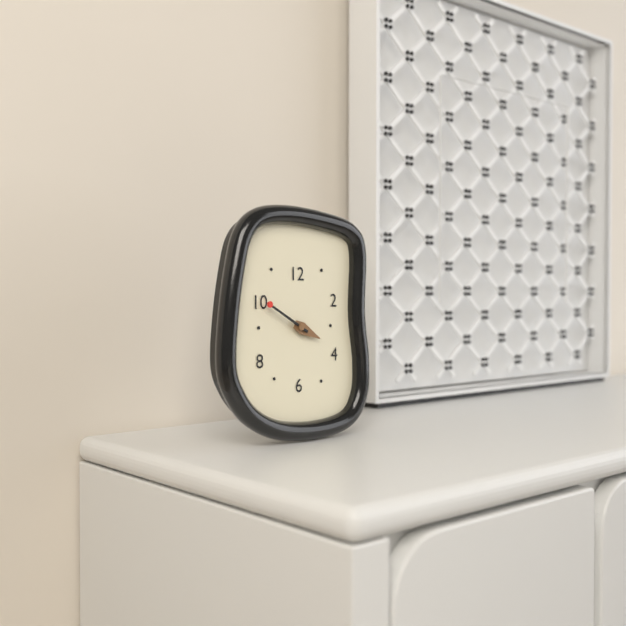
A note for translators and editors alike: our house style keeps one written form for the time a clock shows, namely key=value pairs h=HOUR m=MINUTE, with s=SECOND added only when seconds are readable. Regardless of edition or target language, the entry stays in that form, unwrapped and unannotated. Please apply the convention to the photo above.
h=3 m=50
